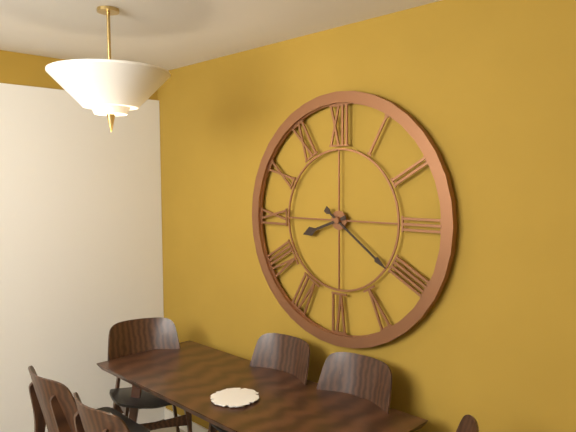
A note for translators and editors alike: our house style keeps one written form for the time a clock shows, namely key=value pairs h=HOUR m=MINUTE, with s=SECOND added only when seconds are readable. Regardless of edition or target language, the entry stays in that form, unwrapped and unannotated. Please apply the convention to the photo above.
h=8 m=21
